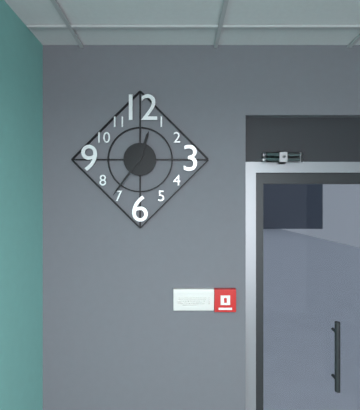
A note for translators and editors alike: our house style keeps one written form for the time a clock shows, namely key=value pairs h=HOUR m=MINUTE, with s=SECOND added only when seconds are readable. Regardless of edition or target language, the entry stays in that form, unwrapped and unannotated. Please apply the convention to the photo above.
h=12 m=36
